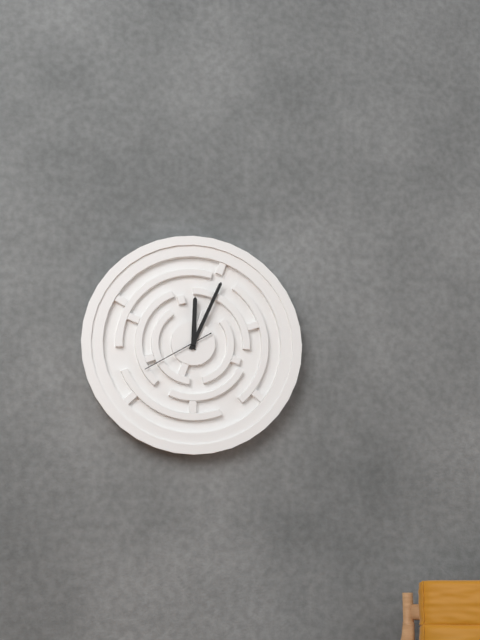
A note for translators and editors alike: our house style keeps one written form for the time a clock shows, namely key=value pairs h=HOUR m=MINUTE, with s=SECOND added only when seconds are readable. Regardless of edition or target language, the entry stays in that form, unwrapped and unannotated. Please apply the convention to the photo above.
h=12 m=4 s=40
